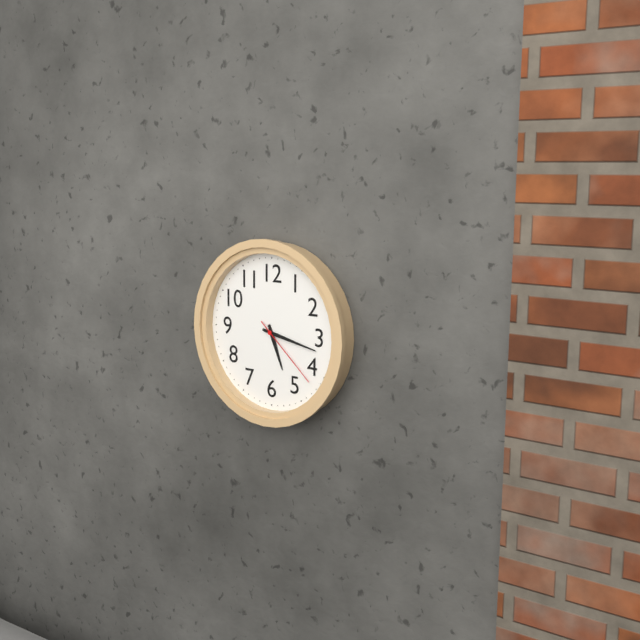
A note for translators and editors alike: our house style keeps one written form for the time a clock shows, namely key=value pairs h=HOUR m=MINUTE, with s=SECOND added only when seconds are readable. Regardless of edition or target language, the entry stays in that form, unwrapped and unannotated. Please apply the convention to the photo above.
h=5 m=17 s=22
